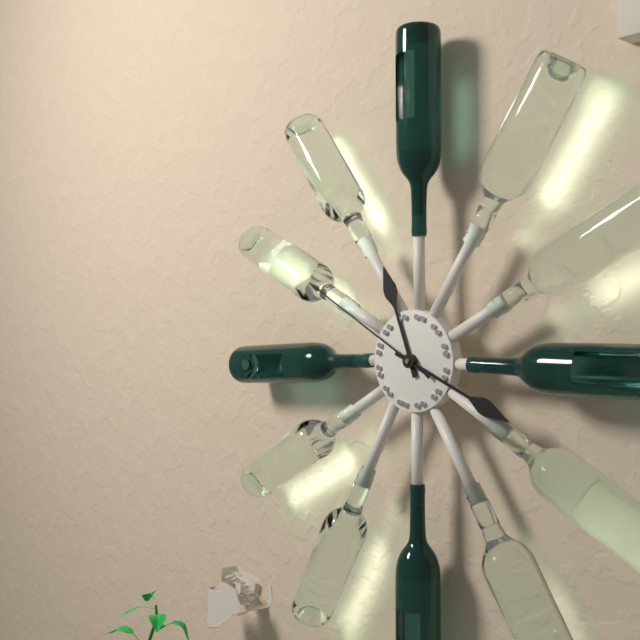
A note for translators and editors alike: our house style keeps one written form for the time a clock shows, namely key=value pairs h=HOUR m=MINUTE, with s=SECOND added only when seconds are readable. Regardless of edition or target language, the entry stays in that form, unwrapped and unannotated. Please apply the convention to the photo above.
h=11 m=19 s=50
